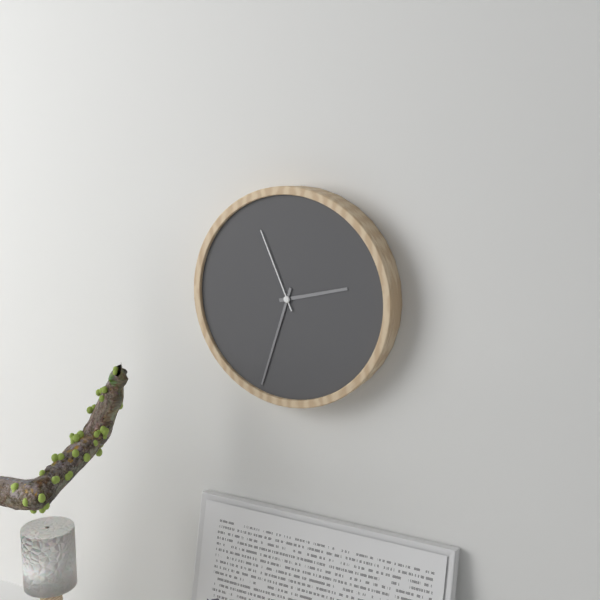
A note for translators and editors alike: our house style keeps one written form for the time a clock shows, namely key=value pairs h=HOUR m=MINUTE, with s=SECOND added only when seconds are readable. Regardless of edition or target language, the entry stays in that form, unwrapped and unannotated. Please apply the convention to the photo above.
h=2 m=33 s=56
